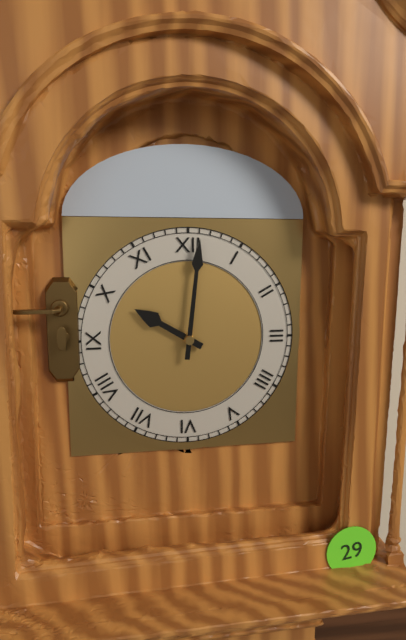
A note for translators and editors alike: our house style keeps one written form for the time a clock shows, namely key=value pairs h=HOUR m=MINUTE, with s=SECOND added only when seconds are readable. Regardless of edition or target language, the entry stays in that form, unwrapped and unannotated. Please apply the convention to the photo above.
h=10 m=1
